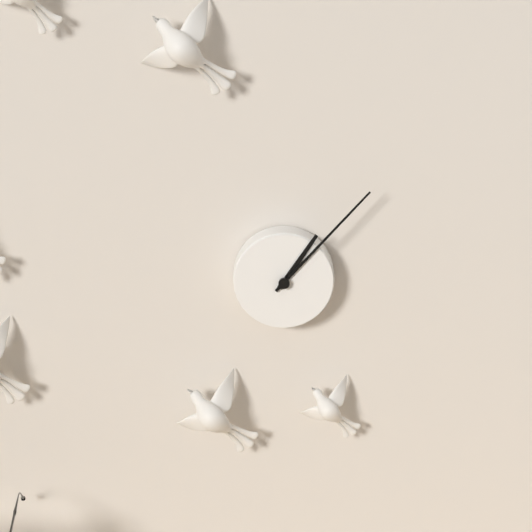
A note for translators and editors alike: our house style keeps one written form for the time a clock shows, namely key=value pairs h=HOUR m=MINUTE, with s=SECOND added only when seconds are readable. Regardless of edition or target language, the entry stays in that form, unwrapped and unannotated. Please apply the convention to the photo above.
h=1 m=7
